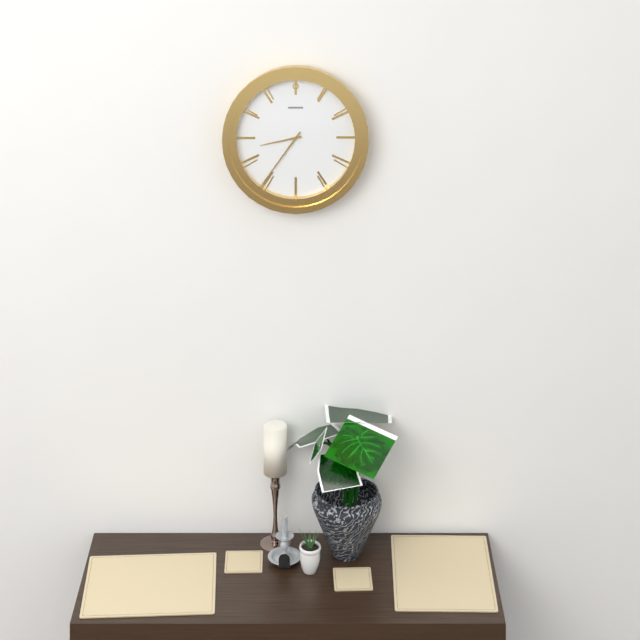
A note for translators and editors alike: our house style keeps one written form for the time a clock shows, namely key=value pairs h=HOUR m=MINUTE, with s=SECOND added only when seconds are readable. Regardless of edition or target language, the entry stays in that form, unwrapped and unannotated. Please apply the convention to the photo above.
h=8 m=36
